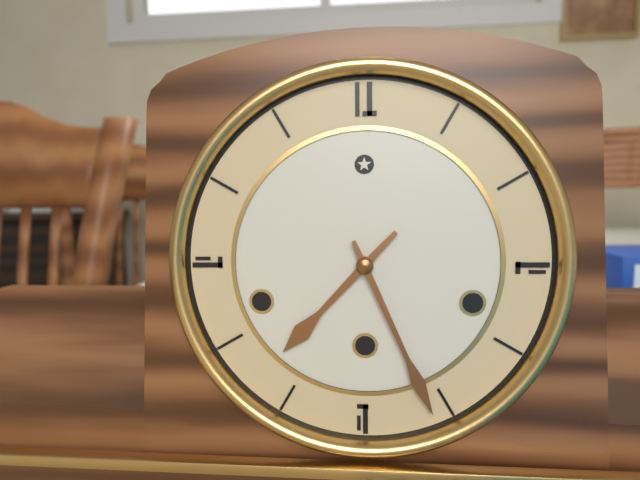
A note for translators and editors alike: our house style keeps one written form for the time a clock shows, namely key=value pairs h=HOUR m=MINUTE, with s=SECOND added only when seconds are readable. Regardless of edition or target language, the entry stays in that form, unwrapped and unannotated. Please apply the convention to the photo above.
h=7 m=26
